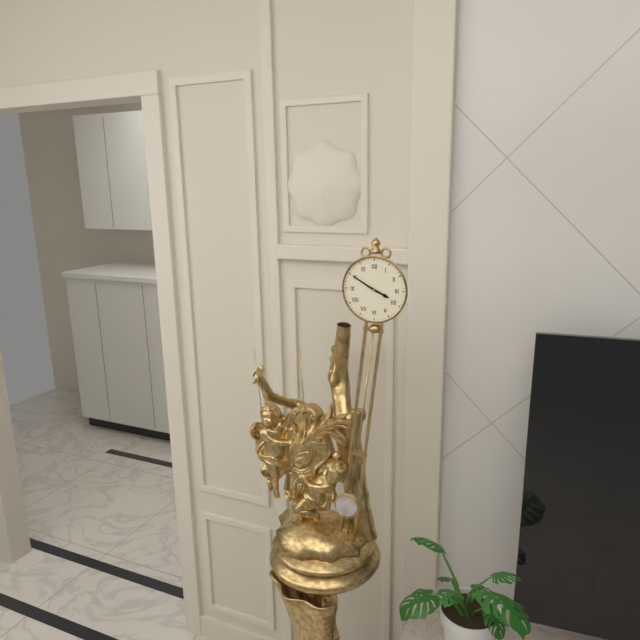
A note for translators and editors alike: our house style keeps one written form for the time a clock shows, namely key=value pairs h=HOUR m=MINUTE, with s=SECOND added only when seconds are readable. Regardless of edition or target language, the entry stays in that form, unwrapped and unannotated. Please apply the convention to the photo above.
h=3 m=50
